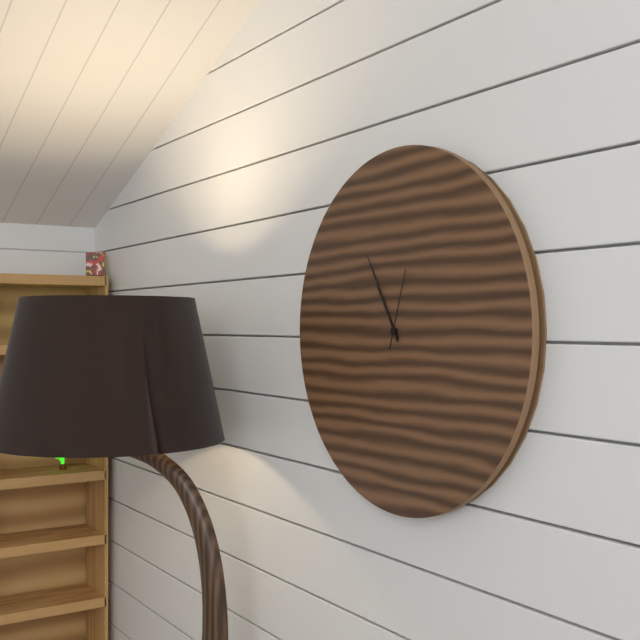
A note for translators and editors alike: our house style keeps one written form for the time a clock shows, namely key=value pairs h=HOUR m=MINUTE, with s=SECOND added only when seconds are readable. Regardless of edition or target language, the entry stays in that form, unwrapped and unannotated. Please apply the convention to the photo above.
h=10 m=55 s=3
